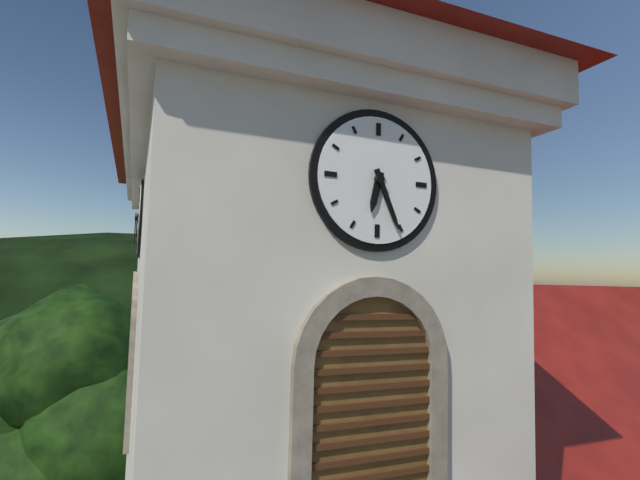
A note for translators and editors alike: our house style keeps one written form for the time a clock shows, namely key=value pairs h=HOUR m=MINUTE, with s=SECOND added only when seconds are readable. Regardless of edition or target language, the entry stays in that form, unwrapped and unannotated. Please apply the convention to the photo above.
h=6 m=26
